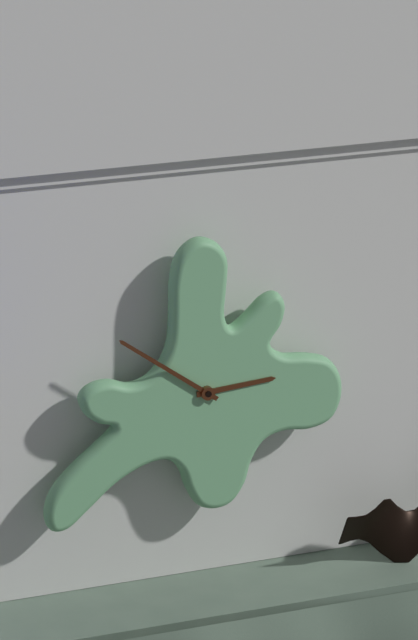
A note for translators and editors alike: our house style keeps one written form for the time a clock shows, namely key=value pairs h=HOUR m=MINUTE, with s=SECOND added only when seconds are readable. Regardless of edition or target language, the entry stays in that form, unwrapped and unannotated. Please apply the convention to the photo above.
h=2 m=51
